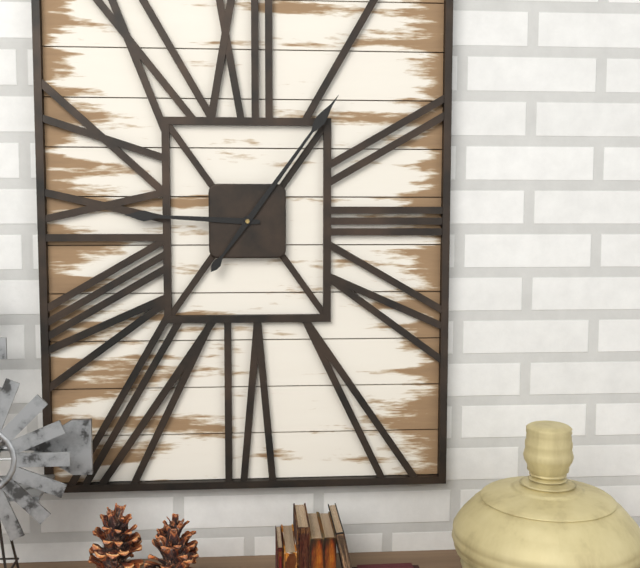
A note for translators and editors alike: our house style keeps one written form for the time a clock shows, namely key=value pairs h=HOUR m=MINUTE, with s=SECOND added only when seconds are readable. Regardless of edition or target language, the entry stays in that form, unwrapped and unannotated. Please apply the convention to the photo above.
h=9 m=6
